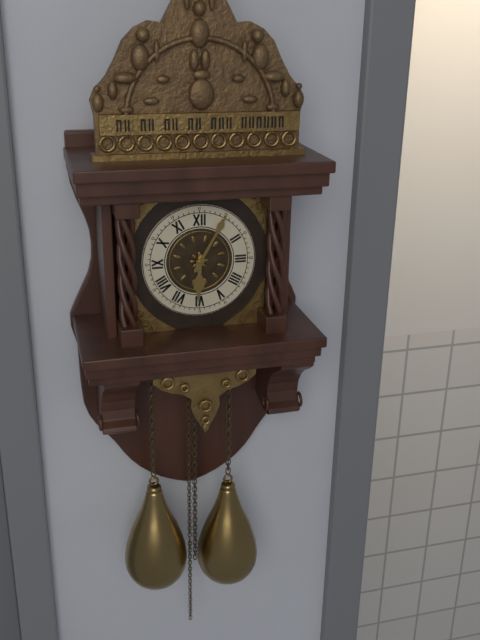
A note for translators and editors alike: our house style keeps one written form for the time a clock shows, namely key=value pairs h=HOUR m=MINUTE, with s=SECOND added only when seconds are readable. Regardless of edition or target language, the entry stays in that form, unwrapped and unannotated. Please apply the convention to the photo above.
h=6 m=5
